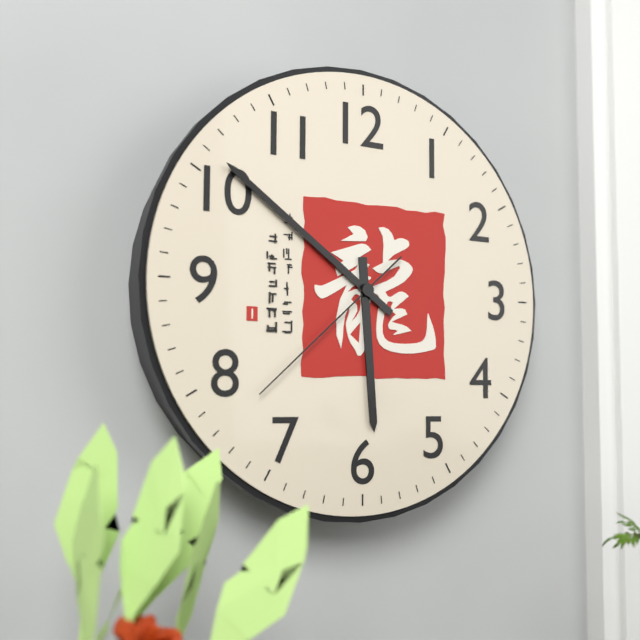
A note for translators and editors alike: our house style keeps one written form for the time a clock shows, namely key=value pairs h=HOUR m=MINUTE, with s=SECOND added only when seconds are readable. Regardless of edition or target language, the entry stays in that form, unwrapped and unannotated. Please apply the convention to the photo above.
h=5 m=51 s=38
